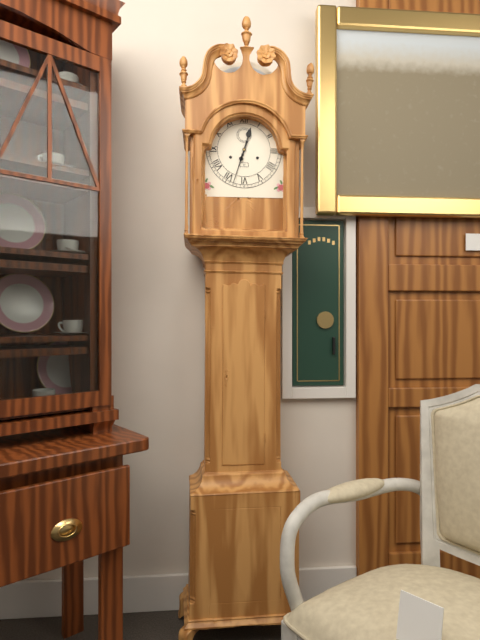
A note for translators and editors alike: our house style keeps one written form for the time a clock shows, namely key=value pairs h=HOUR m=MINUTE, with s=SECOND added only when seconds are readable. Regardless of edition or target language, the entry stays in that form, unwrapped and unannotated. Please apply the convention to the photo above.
h=12 m=33
